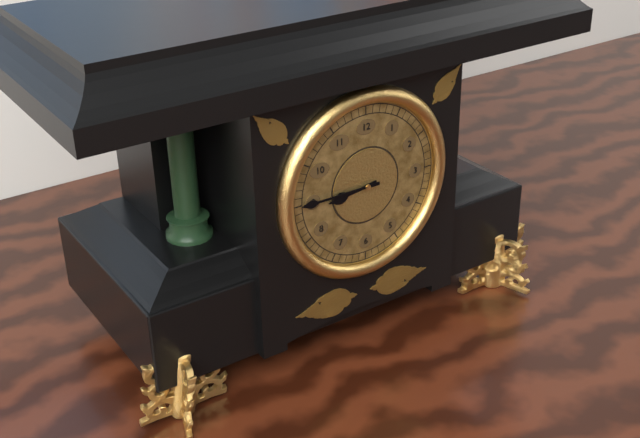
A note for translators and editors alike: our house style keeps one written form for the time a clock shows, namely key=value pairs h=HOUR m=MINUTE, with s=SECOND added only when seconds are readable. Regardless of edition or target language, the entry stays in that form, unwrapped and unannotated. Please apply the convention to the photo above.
h=8 m=45
